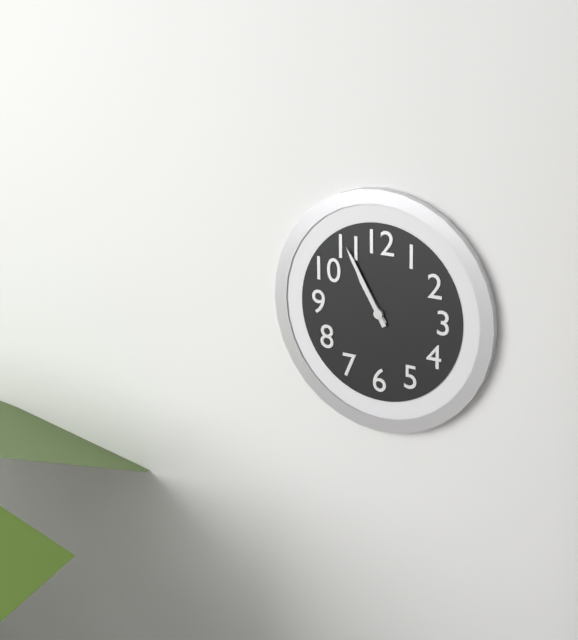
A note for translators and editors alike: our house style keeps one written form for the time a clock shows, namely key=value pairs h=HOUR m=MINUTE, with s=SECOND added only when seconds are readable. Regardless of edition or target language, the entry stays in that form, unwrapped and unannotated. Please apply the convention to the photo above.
h=10 m=55
